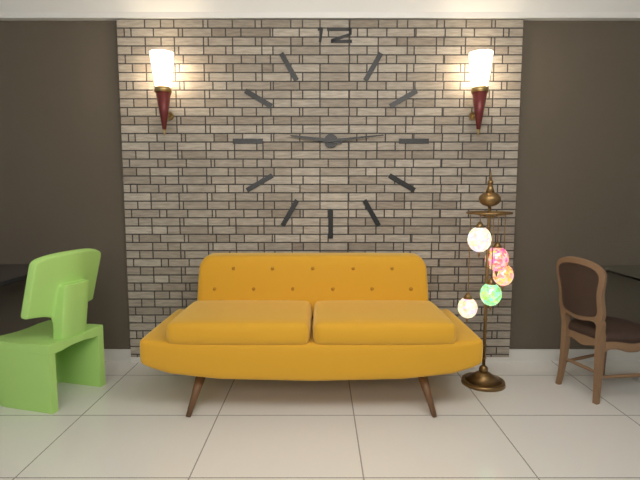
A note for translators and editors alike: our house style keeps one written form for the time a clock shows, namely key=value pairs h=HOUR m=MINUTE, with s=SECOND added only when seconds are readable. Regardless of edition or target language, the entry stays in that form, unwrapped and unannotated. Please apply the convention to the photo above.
h=9 m=14
